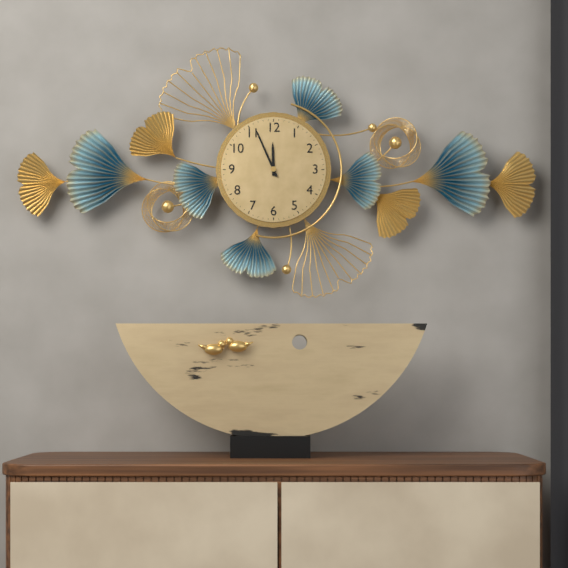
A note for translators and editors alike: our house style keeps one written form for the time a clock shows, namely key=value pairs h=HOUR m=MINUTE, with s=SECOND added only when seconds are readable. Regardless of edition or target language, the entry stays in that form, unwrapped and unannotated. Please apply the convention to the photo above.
h=11 m=56
